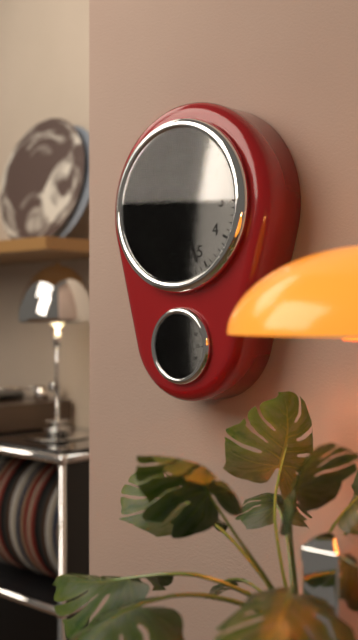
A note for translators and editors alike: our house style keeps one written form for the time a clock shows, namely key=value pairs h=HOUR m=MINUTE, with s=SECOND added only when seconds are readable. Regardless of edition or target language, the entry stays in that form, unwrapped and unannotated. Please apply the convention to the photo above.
h=6 m=26 s=7
